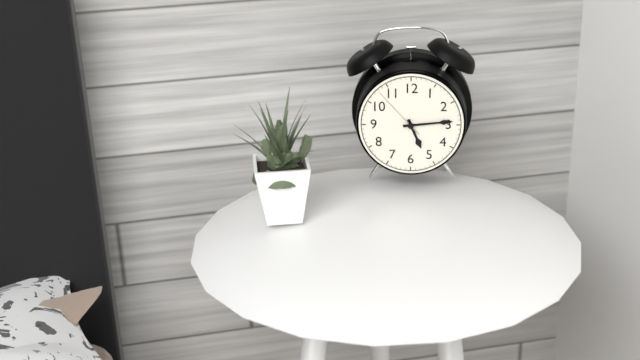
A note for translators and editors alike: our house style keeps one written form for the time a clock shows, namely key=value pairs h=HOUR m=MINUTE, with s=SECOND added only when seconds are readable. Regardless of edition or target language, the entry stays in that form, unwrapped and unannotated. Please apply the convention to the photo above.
h=5 m=14 s=53
